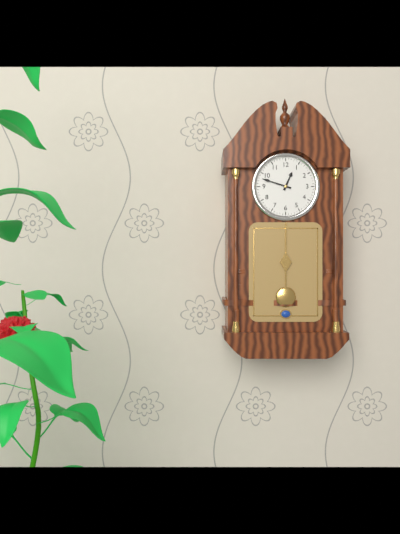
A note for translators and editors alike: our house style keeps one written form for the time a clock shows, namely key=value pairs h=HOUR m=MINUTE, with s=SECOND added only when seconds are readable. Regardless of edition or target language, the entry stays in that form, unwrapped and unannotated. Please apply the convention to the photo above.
h=12 m=48
